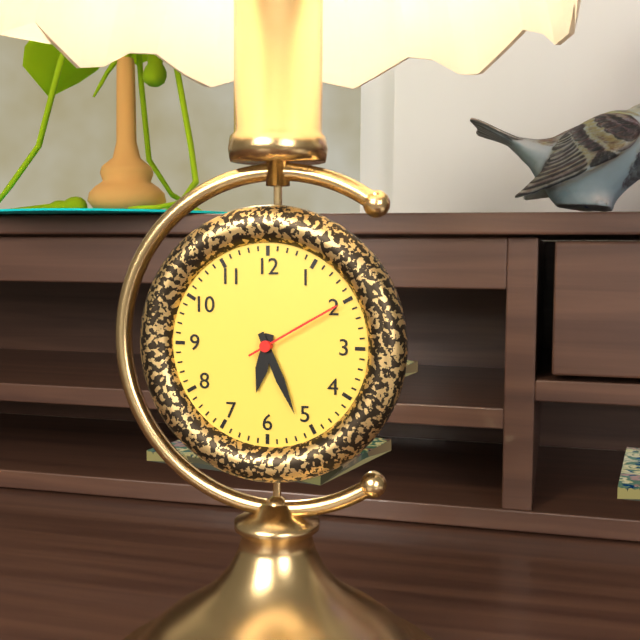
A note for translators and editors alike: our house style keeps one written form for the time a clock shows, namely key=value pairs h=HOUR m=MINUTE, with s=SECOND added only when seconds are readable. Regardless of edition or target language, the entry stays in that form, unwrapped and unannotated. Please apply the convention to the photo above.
h=6 m=26 s=10
